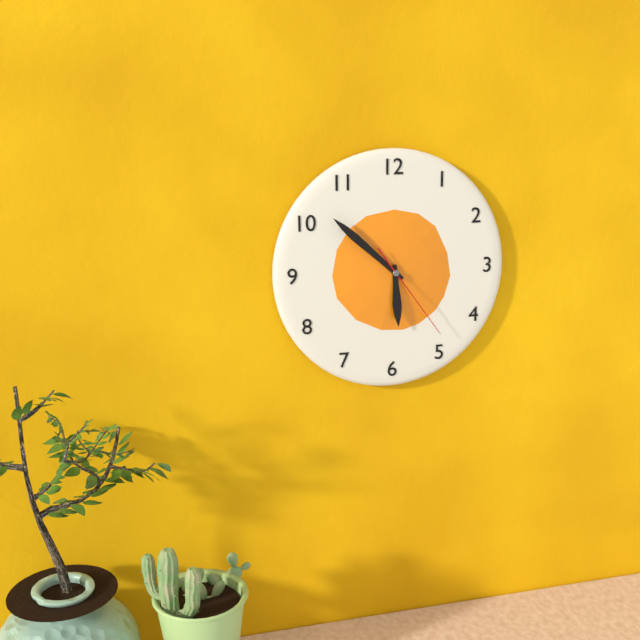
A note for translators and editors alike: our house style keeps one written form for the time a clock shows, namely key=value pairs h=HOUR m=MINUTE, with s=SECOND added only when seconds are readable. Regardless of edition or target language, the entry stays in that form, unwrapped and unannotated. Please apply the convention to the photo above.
h=5 m=52 s=24
